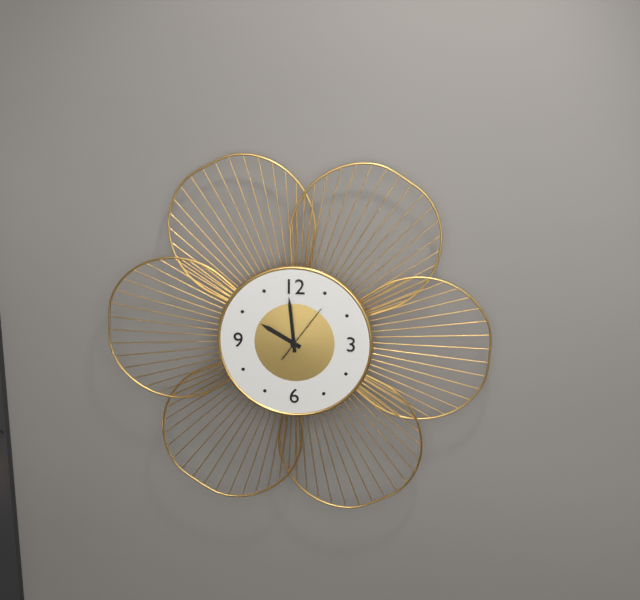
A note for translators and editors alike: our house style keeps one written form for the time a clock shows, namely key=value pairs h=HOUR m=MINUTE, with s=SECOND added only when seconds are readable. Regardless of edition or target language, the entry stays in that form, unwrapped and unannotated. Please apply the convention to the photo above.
h=9 m=59 s=6
